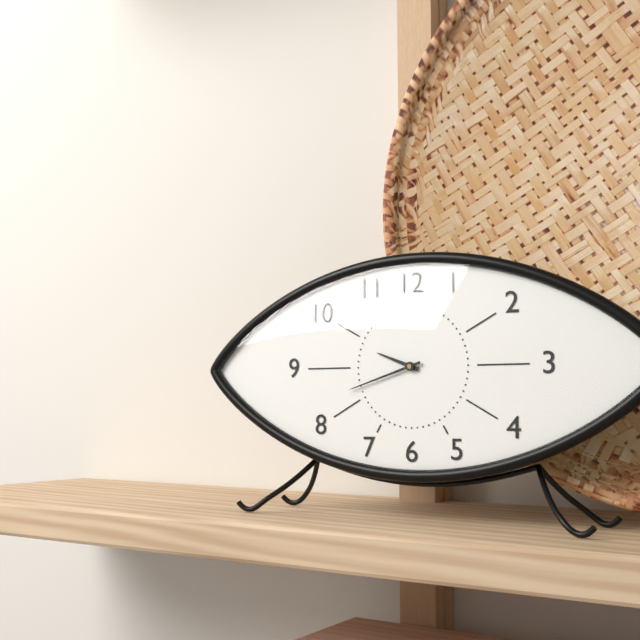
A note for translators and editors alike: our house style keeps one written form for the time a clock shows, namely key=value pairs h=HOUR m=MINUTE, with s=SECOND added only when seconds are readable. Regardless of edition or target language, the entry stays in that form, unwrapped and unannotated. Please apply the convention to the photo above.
h=9 m=42
